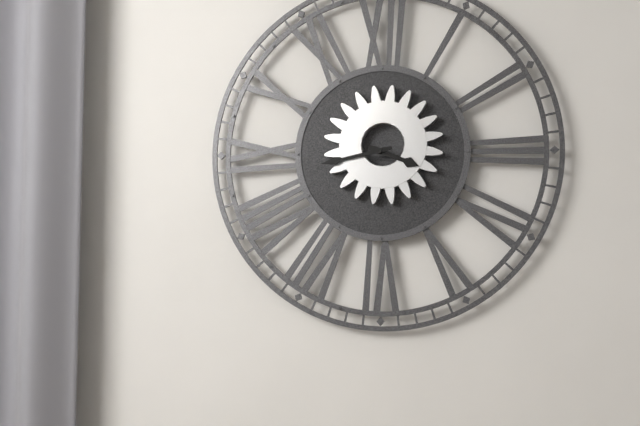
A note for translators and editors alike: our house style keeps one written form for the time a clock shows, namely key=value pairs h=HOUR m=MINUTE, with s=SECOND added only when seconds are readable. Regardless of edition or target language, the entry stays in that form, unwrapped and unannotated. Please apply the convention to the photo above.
h=3 m=43
